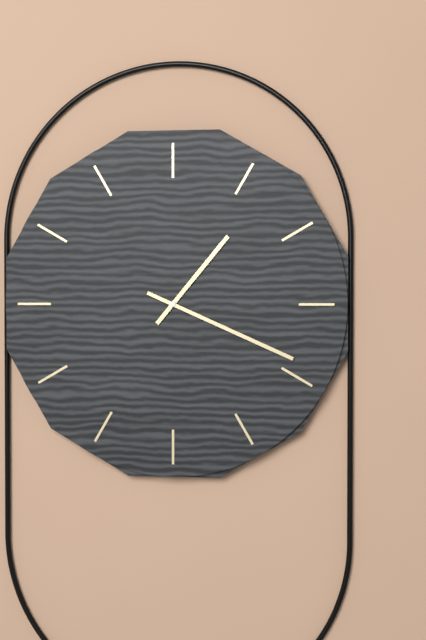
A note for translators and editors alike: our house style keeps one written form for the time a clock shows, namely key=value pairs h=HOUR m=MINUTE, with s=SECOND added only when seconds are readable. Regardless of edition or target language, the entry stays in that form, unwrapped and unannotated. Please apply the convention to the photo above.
h=1 m=19
